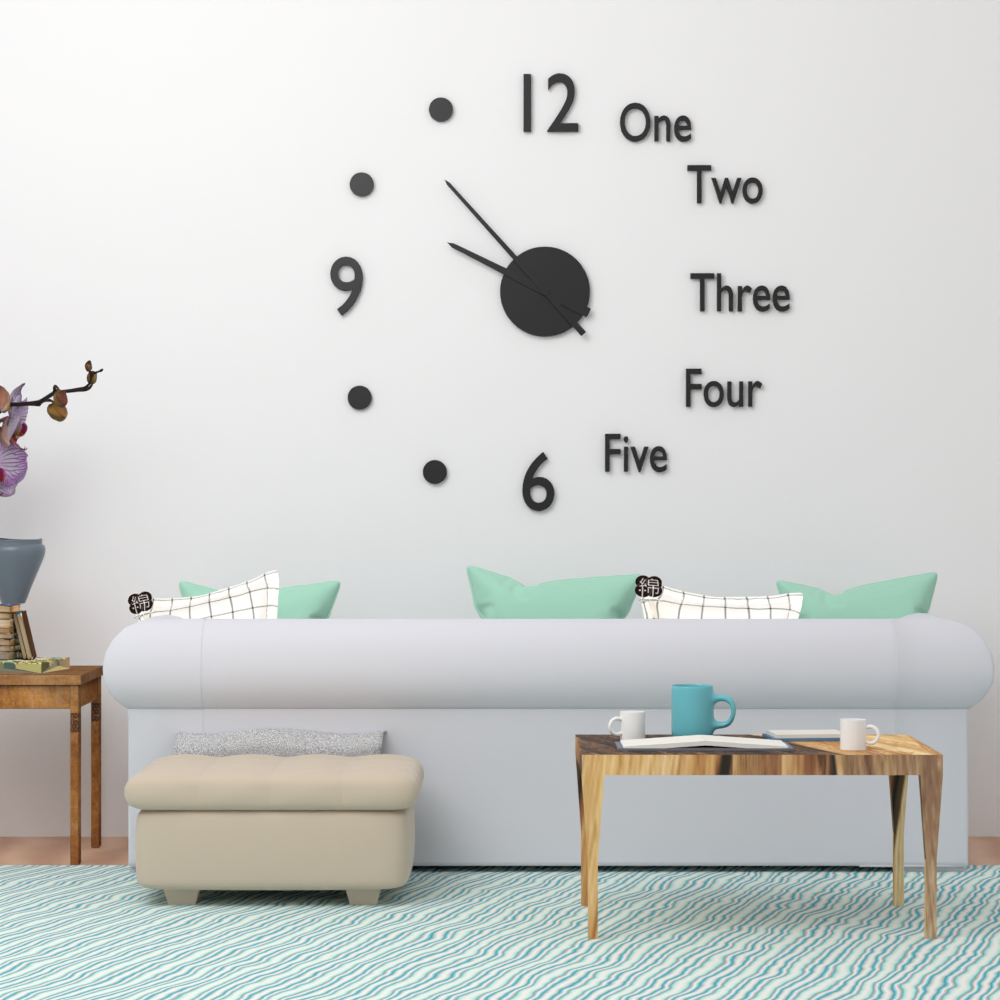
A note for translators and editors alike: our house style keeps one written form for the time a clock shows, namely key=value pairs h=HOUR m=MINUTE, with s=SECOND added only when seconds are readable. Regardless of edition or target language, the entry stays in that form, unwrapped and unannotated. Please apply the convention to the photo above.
h=9 m=53
